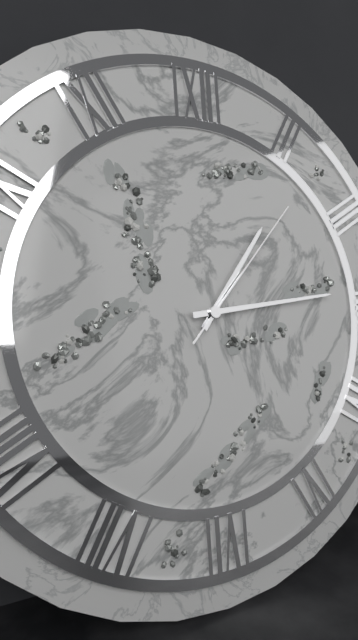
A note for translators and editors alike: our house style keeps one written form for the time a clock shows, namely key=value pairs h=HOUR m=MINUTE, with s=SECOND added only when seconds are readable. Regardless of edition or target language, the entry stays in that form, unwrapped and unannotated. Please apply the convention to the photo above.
h=1 m=14 s=7
